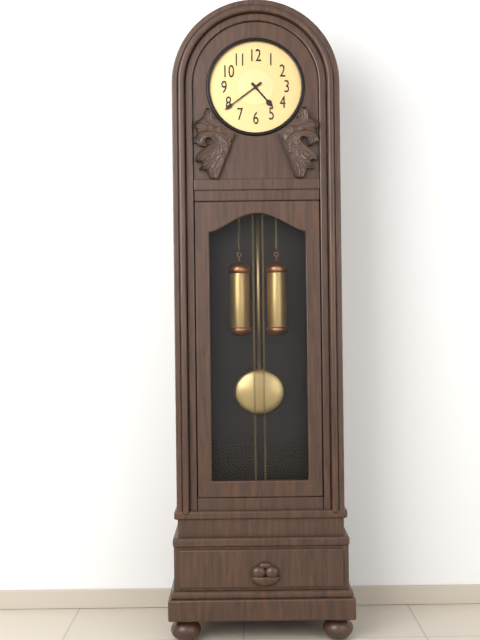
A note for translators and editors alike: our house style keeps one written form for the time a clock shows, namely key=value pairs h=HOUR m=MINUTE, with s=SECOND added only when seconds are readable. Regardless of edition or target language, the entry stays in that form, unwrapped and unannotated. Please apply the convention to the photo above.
h=4 m=39
